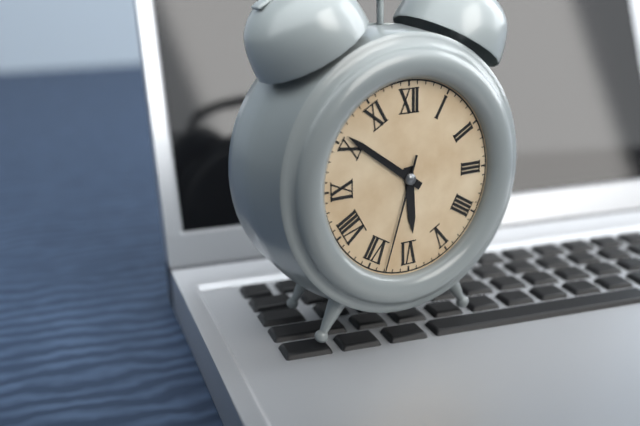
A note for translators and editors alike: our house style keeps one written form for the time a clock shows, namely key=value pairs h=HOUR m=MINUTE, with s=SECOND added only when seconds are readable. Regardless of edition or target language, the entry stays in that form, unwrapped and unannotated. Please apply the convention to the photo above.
h=5 m=51 s=33
